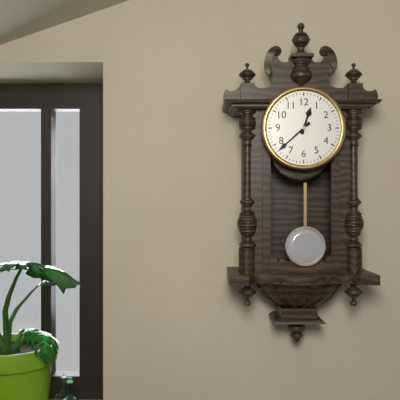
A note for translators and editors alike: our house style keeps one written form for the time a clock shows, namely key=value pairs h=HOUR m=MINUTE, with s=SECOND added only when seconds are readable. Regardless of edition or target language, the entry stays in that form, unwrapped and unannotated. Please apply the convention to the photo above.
h=12 m=38
